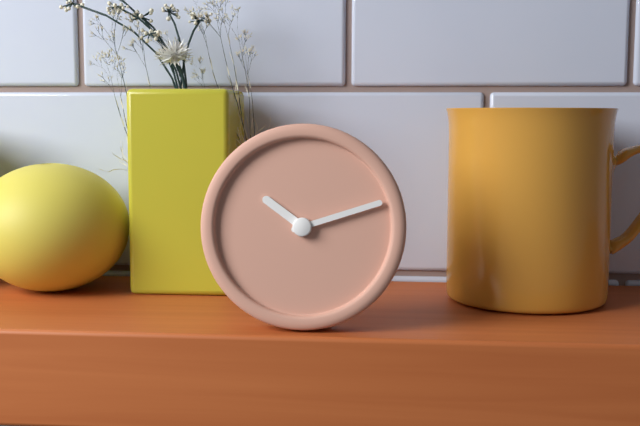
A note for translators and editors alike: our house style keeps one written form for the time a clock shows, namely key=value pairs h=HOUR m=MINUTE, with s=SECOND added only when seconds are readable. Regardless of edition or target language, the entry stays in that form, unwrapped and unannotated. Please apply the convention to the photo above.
h=10 m=12
